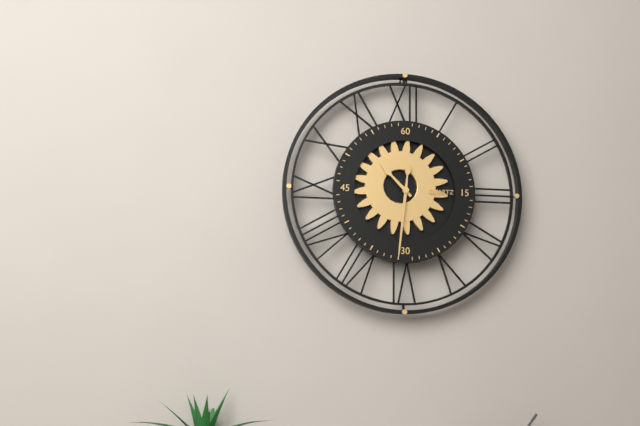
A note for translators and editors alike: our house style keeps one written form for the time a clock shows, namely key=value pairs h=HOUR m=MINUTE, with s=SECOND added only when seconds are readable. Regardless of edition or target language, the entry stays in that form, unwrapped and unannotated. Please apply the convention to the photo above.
h=10 m=31
